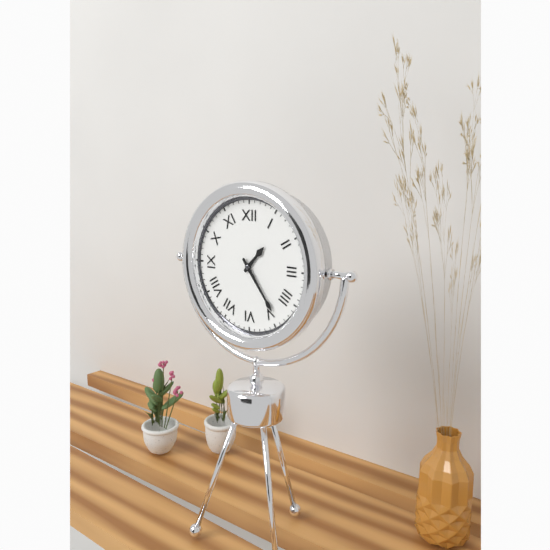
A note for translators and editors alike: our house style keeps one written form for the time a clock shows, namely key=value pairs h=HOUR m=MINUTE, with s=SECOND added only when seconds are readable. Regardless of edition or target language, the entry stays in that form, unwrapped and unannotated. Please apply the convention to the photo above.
h=1 m=24
